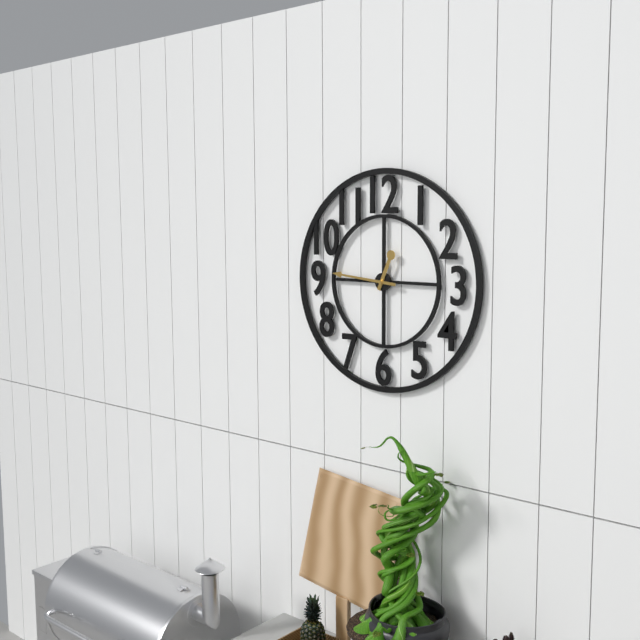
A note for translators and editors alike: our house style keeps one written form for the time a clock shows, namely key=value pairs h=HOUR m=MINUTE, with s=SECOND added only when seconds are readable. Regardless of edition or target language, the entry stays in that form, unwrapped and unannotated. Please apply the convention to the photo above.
h=12 m=46
